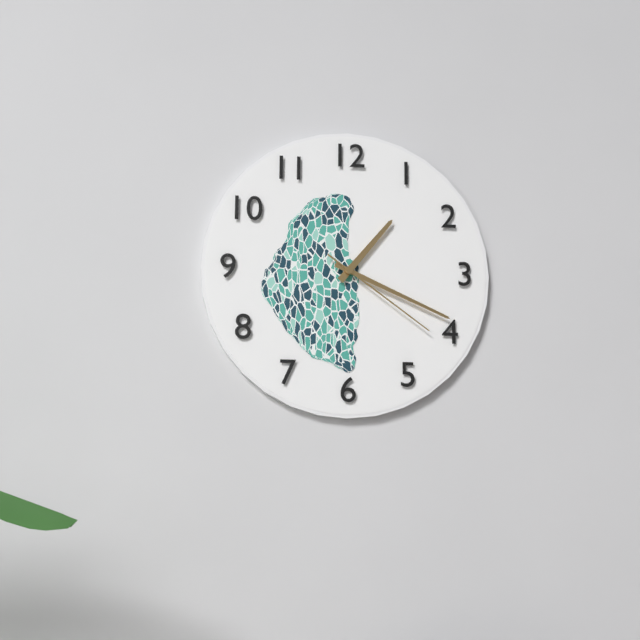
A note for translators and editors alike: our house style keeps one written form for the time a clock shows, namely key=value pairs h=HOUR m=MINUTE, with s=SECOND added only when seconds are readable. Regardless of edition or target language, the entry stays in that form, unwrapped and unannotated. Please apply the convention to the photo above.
h=1 m=19 s=21
